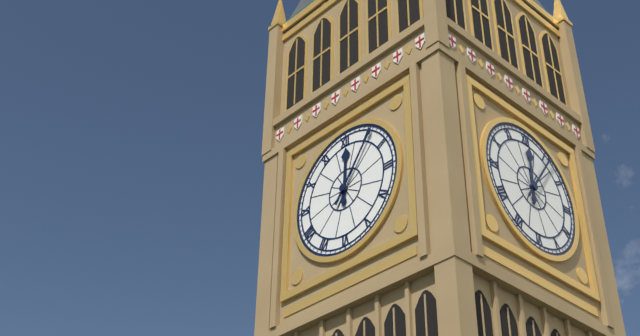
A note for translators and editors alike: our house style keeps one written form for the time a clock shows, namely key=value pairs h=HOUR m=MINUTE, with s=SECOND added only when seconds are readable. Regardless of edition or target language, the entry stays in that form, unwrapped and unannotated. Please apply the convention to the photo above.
h=12 m=6
